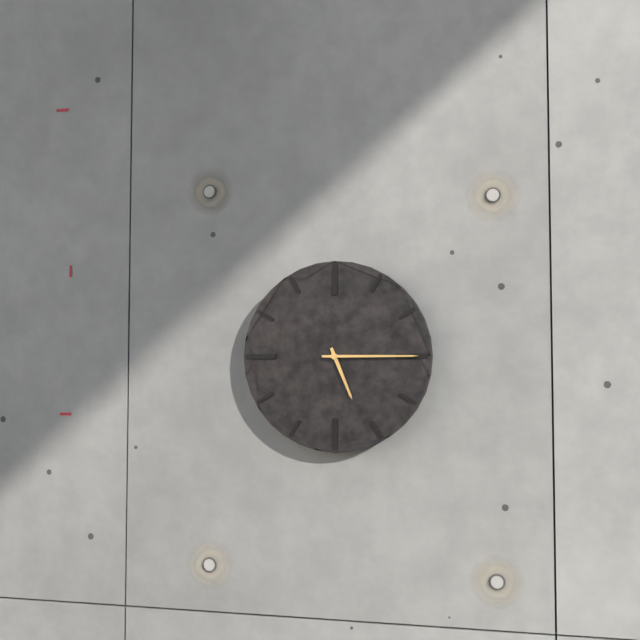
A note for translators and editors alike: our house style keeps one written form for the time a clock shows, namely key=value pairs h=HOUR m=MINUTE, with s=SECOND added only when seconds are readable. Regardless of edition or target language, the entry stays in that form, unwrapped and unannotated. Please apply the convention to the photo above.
h=5 m=15
